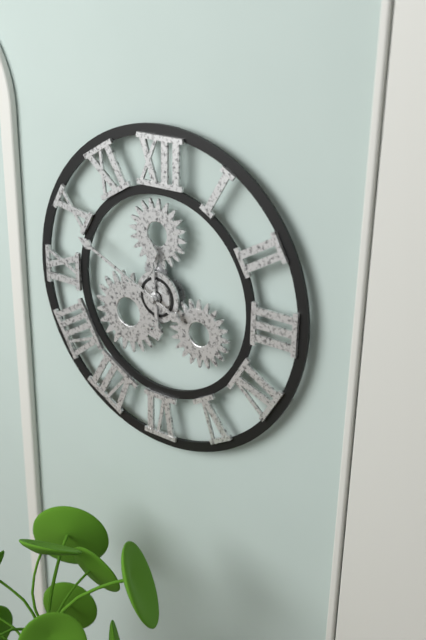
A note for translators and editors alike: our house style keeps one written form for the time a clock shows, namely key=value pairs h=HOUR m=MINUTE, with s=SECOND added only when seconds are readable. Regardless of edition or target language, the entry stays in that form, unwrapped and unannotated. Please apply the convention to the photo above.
h=11 m=49
